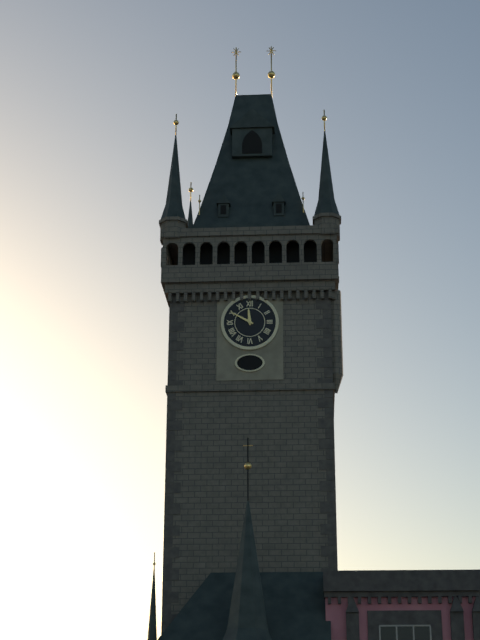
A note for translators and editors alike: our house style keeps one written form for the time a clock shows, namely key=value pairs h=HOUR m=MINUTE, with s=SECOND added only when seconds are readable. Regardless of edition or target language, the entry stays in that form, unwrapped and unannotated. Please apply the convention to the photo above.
h=11 m=50
